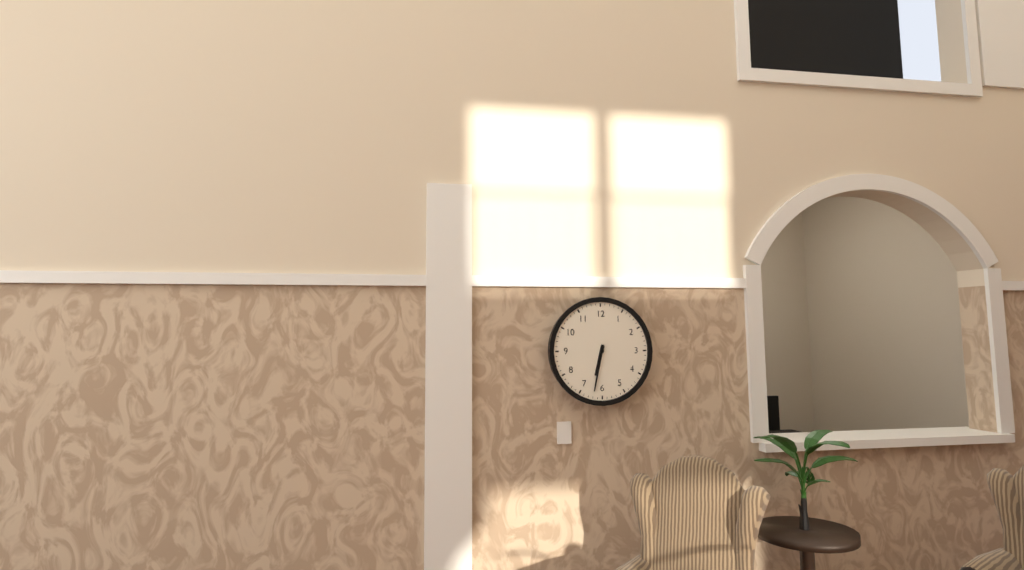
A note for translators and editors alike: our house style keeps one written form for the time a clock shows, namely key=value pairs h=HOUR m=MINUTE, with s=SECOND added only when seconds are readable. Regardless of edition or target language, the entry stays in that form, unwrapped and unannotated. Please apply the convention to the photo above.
h=6 m=32
